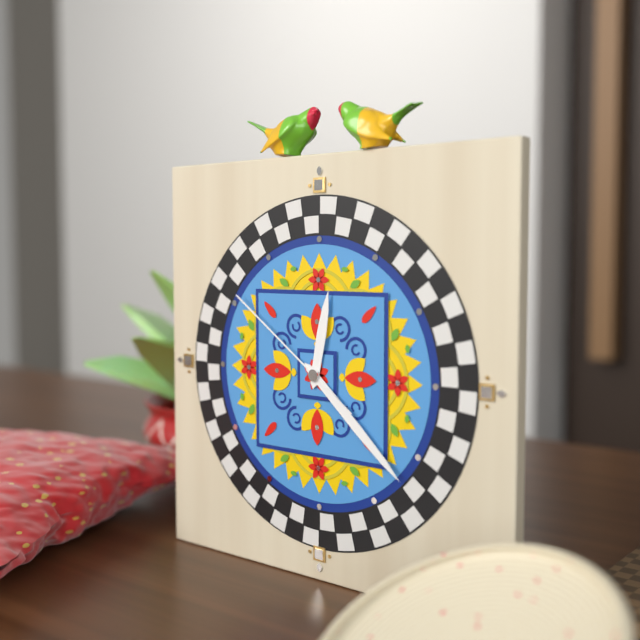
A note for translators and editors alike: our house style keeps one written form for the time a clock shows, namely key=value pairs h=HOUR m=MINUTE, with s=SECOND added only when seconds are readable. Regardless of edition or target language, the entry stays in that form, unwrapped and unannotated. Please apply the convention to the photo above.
h=12 m=22 s=51
